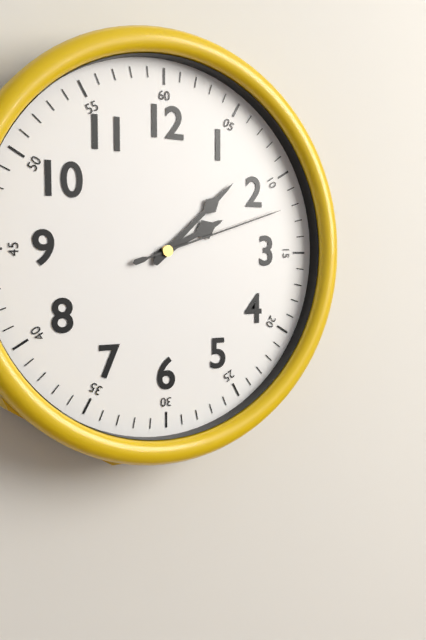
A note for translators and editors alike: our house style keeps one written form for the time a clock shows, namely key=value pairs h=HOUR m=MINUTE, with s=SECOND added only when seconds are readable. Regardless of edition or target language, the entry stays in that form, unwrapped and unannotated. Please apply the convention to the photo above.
h=2 m=8 s=12
